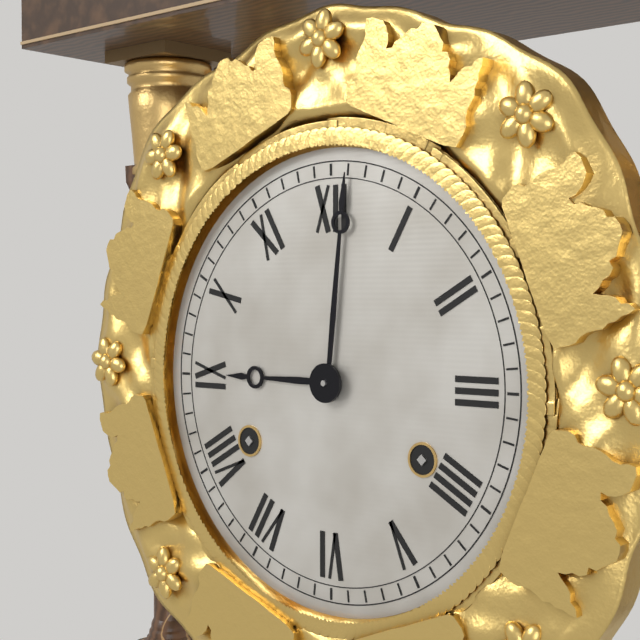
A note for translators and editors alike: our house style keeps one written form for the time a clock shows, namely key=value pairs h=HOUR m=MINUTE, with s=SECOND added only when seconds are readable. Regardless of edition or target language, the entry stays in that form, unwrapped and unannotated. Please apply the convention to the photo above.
h=9 m=1
